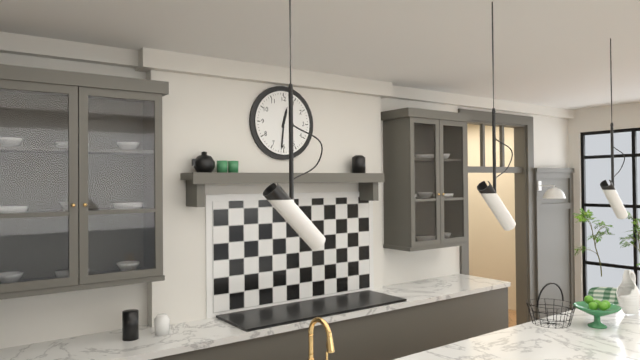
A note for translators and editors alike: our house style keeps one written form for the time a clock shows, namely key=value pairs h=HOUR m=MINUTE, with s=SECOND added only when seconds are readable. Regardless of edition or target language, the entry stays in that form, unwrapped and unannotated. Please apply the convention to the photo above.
h=12 m=31
